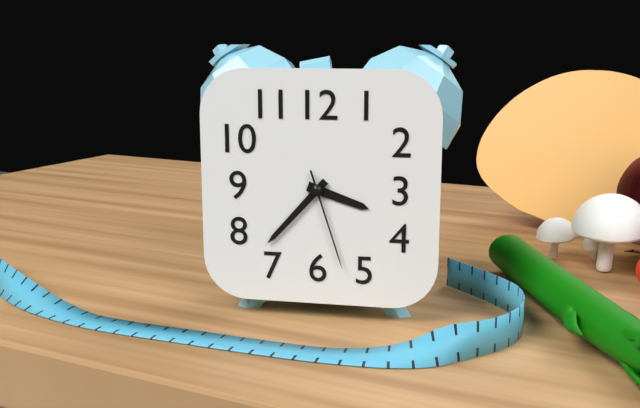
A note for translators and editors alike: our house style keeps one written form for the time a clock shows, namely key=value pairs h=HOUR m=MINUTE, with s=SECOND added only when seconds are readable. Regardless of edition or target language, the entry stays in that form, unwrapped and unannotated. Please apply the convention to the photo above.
h=3 m=37 s=27
